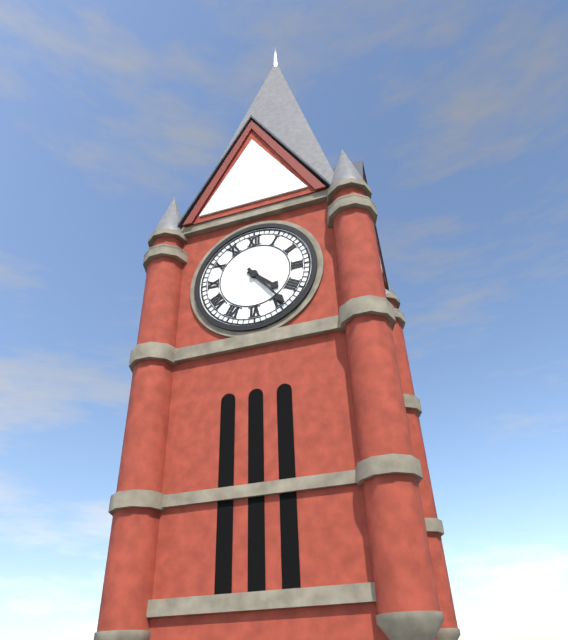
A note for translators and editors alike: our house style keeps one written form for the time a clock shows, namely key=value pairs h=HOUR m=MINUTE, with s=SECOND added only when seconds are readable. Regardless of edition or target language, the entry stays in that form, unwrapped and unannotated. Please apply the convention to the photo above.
h=4 m=24
